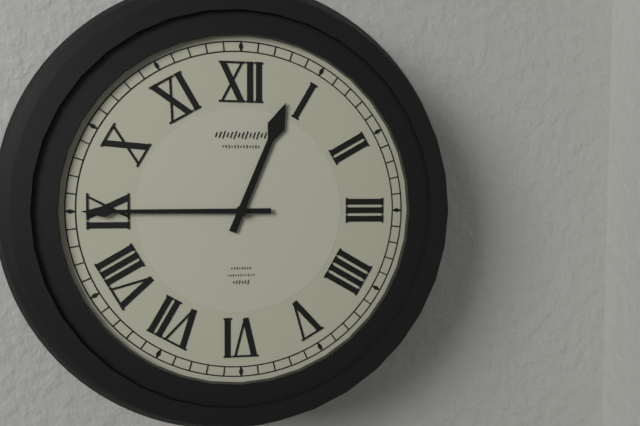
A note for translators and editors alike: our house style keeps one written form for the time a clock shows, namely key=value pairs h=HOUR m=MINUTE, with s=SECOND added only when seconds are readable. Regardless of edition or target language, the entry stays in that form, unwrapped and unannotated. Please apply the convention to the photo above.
h=12 m=45
